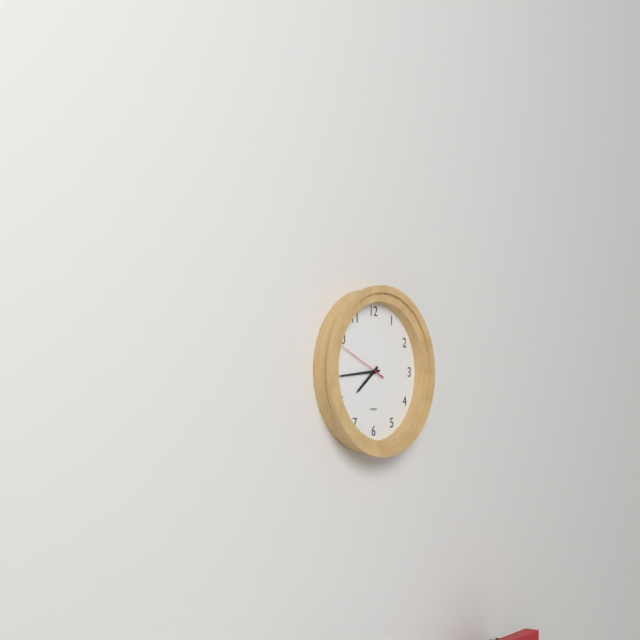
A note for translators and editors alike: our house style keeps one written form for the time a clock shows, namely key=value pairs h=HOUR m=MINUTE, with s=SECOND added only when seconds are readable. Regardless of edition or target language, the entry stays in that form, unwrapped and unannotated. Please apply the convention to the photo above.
h=7 m=44 s=49
